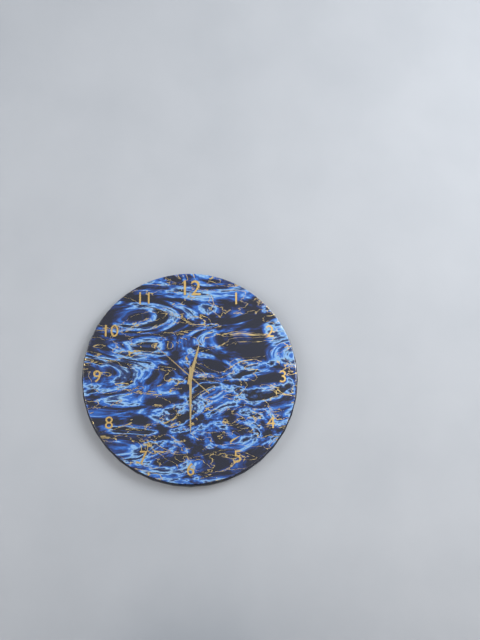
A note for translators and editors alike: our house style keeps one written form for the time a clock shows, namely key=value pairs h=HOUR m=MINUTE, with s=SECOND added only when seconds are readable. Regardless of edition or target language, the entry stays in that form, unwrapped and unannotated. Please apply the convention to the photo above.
h=12 m=30 s=52
